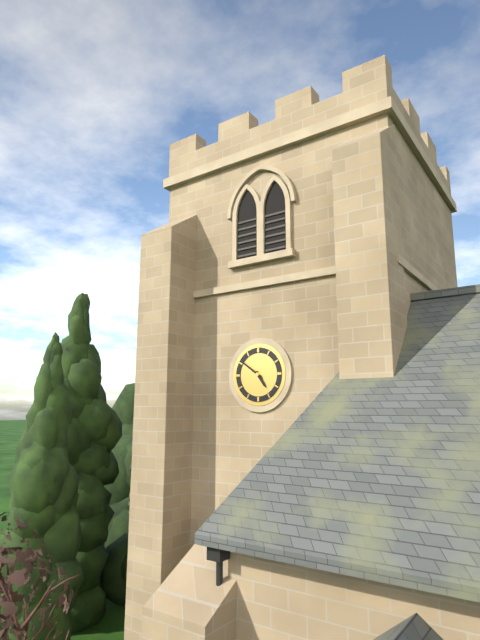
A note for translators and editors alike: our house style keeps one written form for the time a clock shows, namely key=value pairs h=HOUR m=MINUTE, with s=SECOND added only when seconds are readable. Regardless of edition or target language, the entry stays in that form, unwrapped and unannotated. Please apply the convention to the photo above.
h=4 m=51
